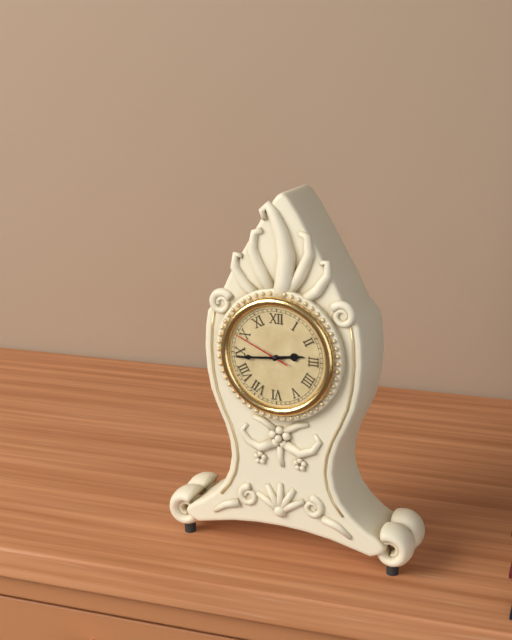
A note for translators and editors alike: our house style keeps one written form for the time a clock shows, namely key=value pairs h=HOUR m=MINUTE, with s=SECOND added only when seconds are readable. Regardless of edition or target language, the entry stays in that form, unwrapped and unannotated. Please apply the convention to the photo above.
h=2 m=44 s=49
